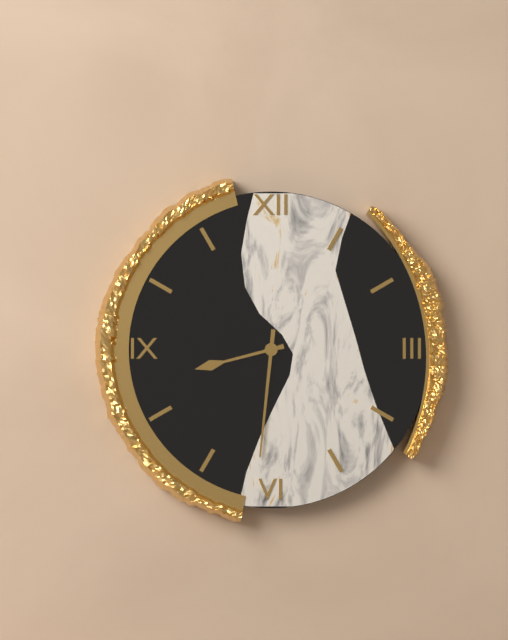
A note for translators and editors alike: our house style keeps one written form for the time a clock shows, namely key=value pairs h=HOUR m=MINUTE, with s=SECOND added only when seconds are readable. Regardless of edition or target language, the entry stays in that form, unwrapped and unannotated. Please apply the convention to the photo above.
h=8 m=31
